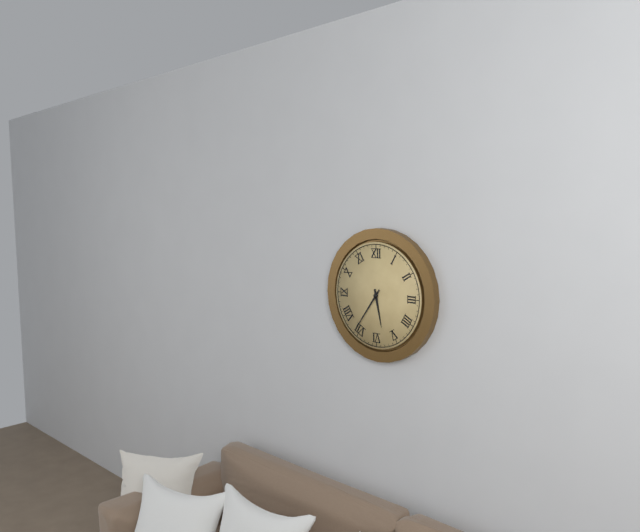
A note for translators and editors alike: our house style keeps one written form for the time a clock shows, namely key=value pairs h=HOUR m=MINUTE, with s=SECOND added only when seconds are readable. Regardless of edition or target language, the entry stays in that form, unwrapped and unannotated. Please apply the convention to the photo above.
h=5 m=36
